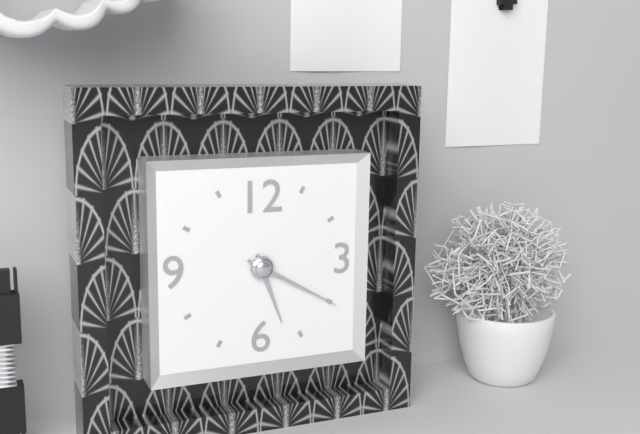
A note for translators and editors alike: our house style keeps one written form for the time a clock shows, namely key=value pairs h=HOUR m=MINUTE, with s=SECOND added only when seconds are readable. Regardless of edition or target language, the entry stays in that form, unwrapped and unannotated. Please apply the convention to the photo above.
h=5 m=20
